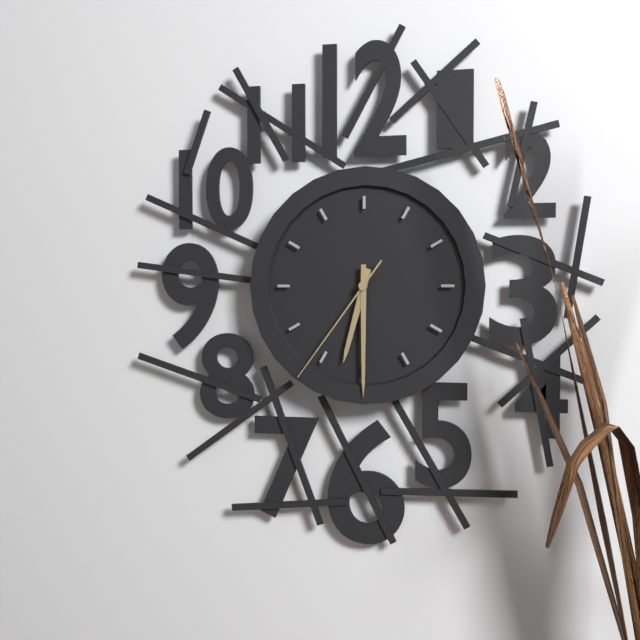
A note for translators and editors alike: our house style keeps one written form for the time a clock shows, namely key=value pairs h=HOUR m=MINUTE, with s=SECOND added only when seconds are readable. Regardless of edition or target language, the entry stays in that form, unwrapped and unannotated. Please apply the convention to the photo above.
h=6 m=30 s=36
